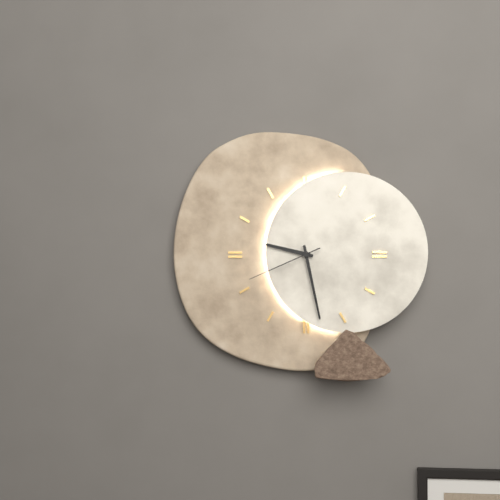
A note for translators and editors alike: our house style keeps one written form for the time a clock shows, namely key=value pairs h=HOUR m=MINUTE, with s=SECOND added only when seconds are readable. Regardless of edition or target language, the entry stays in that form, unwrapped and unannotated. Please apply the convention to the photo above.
h=9 m=28 s=41
